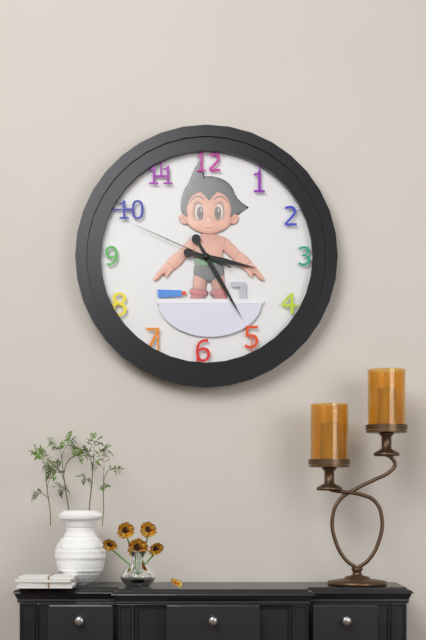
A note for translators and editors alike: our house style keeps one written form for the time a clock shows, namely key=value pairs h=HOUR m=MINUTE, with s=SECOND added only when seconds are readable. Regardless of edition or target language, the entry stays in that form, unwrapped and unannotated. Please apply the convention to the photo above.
h=3 m=25 s=49
